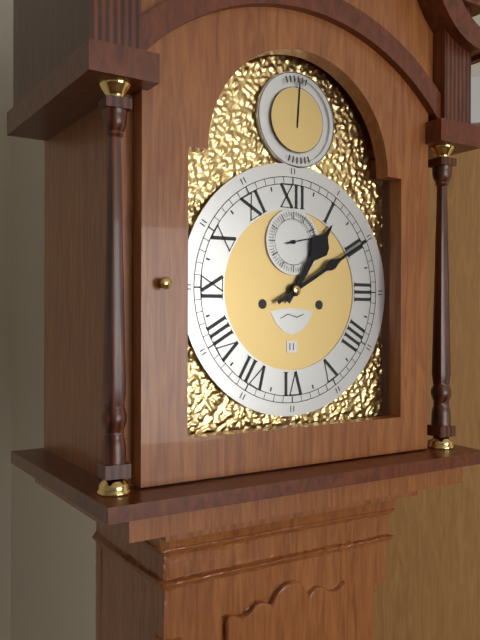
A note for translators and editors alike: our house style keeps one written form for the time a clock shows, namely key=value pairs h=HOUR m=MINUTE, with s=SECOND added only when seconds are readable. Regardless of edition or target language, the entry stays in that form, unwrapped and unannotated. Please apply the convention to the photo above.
h=1 m=10
